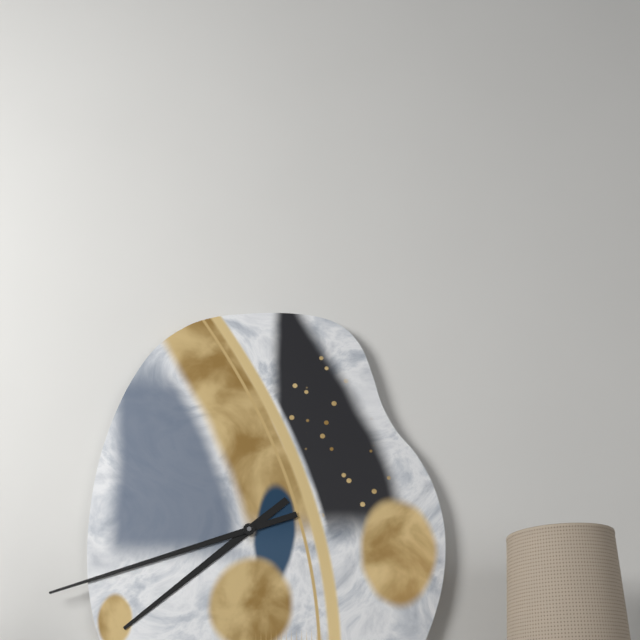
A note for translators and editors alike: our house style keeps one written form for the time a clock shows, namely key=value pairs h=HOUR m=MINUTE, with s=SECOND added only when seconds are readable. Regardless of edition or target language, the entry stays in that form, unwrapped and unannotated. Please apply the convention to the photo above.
h=7 m=42
